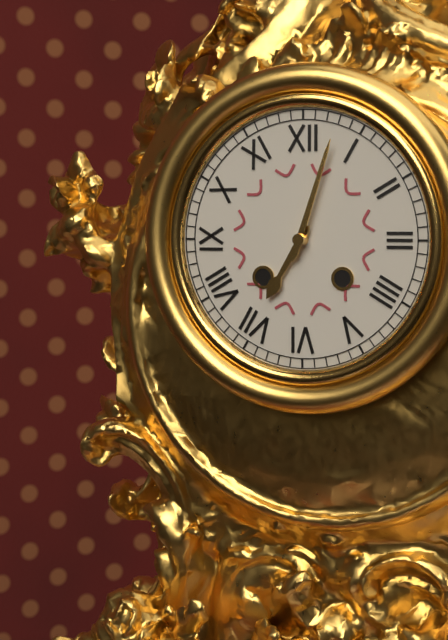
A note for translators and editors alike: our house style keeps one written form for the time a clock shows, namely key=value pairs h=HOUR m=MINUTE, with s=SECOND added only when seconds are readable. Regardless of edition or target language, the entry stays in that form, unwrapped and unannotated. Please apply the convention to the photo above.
h=7 m=3
